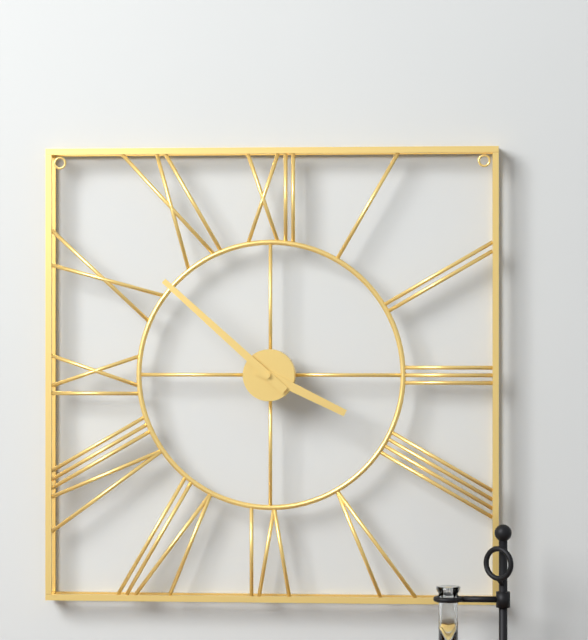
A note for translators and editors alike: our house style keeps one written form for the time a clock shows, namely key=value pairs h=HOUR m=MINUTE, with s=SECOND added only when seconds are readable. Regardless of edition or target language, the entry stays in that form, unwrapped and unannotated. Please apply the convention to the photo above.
h=3 m=52
